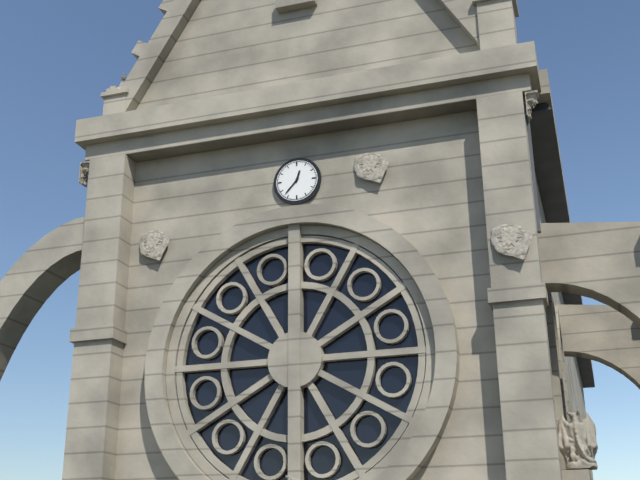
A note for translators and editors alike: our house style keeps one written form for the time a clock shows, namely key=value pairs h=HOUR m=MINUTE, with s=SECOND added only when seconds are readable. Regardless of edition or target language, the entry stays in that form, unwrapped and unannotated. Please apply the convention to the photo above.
h=12 m=37
